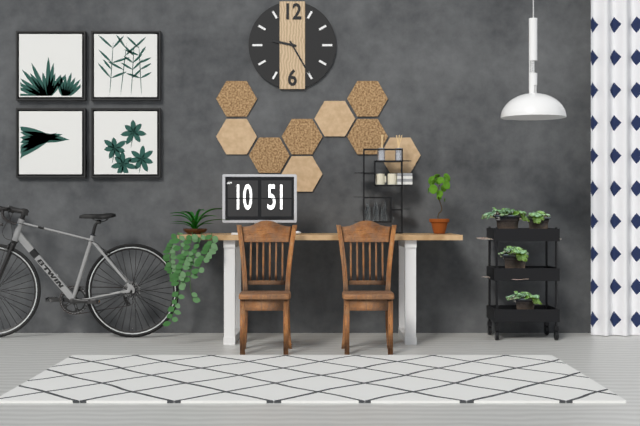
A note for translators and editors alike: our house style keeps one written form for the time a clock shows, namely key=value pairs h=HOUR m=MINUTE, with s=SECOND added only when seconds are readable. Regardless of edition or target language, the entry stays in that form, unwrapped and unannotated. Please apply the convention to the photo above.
h=9 m=25
